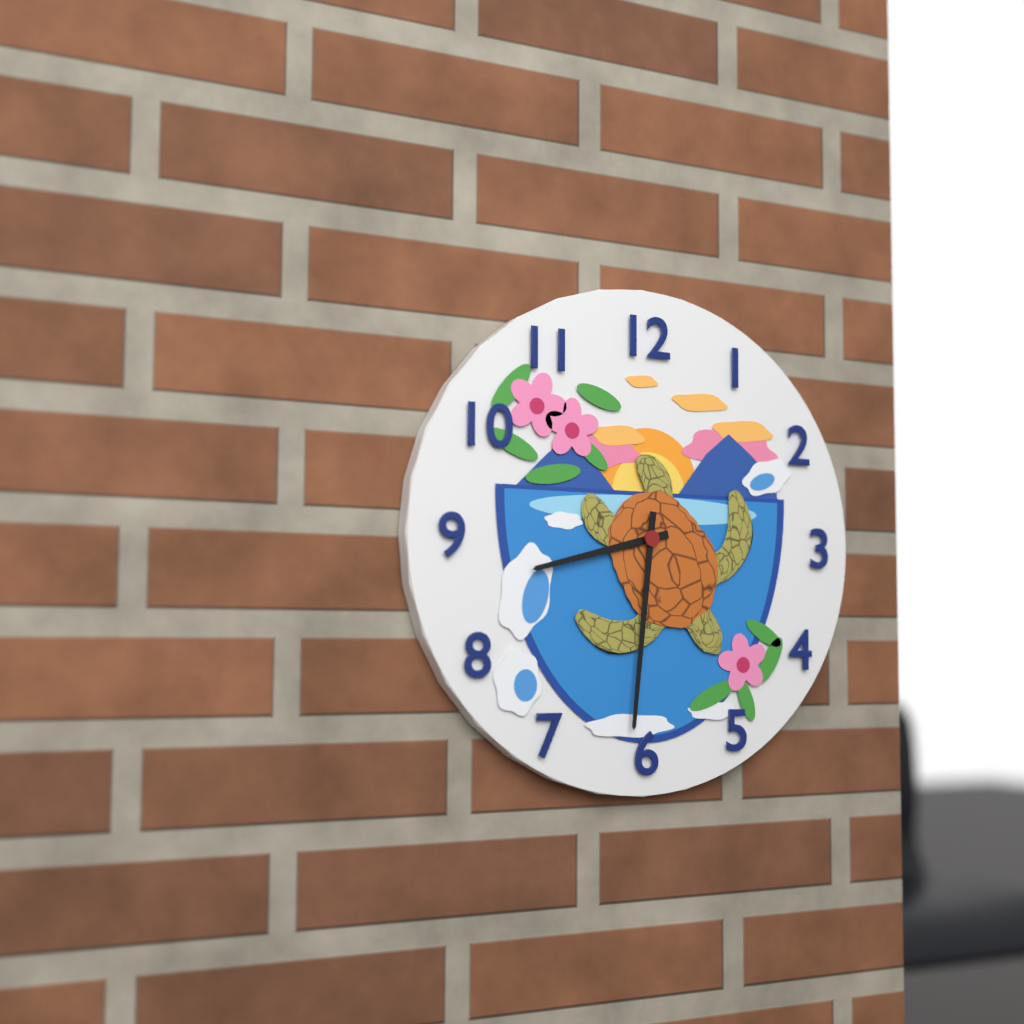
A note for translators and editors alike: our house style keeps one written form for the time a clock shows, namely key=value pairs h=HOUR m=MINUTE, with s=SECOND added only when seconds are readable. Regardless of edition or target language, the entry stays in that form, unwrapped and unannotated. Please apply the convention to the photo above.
h=8 m=31
